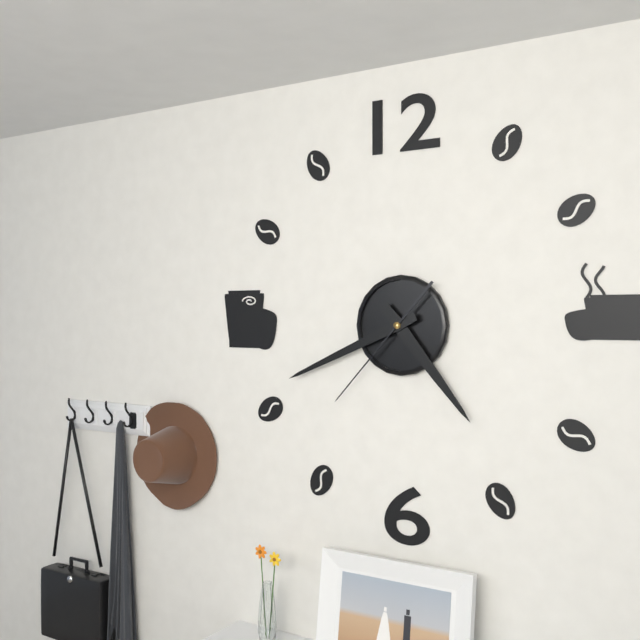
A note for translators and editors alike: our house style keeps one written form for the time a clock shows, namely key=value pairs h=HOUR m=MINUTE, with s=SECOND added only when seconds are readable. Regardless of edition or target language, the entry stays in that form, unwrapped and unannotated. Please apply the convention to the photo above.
h=4 m=41 s=37
